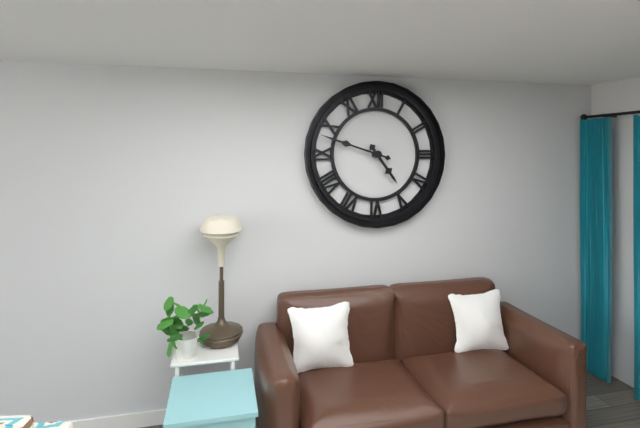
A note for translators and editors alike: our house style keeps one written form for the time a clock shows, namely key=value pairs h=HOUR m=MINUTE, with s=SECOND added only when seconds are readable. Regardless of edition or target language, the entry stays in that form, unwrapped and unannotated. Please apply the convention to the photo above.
h=4 m=48
